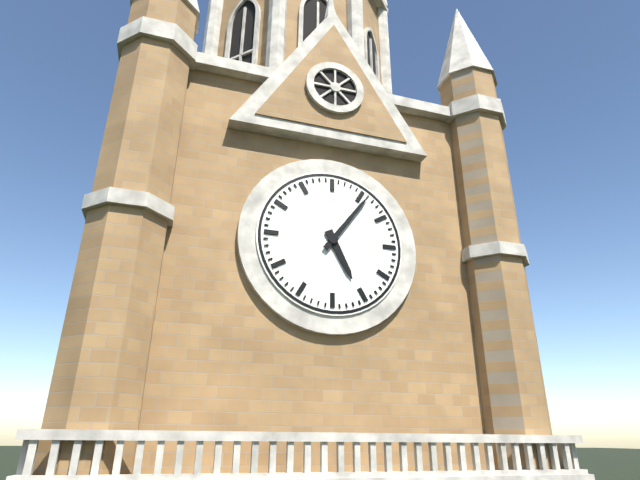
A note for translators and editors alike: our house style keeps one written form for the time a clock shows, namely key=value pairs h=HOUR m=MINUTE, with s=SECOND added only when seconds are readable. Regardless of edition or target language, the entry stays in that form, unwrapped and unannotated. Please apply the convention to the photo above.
h=5 m=6
